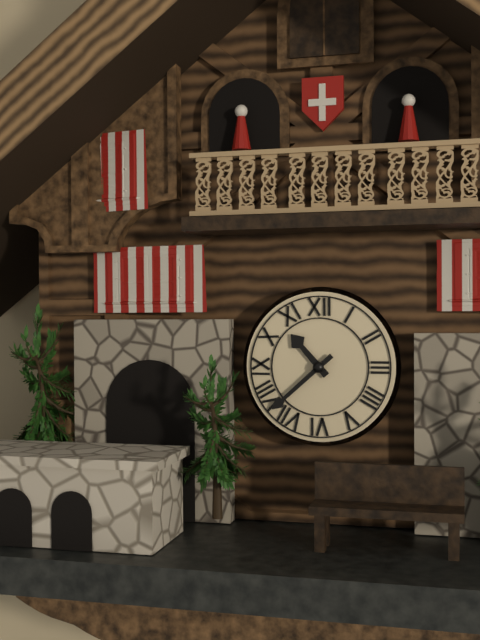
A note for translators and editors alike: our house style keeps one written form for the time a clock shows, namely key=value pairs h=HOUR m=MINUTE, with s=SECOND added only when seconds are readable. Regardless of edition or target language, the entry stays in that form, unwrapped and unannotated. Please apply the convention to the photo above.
h=10 m=38
